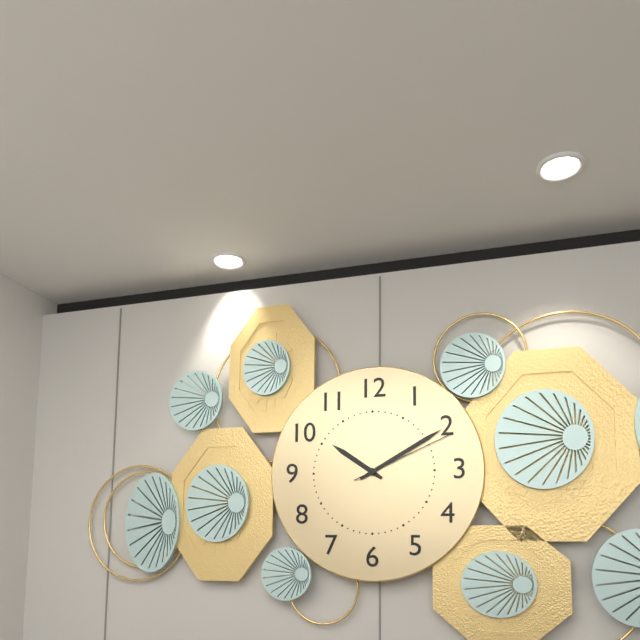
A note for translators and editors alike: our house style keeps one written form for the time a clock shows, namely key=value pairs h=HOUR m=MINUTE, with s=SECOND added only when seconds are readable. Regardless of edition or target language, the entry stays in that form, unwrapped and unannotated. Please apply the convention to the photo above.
h=10 m=10 s=11
